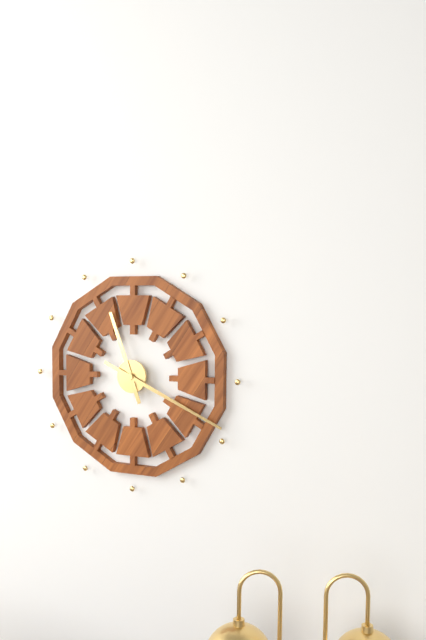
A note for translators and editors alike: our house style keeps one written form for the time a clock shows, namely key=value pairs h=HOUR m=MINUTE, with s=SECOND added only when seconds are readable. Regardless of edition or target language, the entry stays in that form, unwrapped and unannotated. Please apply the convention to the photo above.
h=11 m=19
